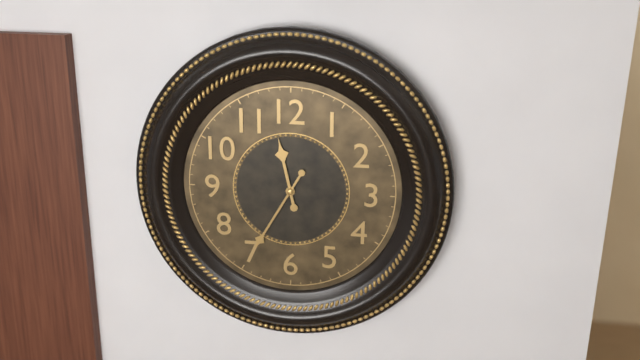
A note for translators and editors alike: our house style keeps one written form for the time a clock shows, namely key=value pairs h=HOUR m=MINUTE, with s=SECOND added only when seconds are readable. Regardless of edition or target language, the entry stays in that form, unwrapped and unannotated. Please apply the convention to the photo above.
h=11 m=35
